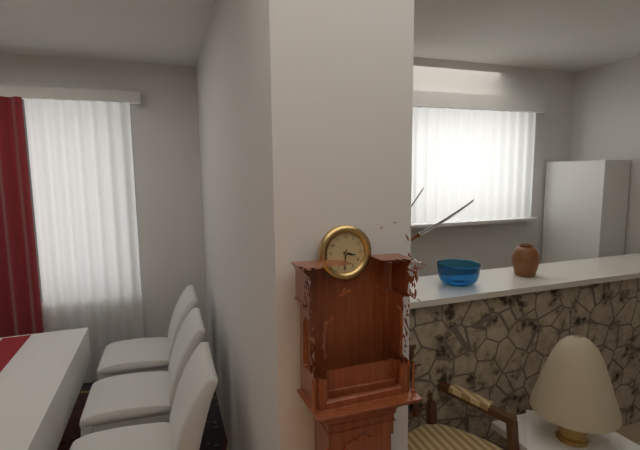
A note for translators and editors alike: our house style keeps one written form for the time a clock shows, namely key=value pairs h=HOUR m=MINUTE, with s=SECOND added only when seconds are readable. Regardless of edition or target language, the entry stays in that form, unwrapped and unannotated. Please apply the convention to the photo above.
h=3 m=31
